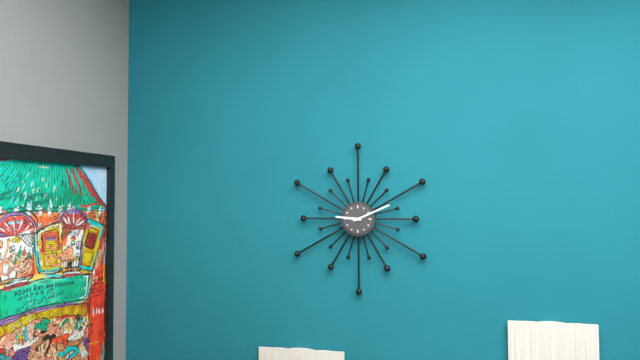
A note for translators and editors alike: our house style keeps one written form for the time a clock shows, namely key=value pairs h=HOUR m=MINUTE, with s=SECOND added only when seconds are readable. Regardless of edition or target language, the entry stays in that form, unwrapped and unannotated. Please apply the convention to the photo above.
h=9 m=11
